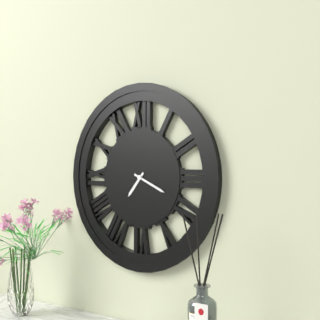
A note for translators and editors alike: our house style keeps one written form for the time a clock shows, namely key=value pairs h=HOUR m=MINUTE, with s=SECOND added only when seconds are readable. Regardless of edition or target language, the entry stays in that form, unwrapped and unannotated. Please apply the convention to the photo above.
h=7 m=19
